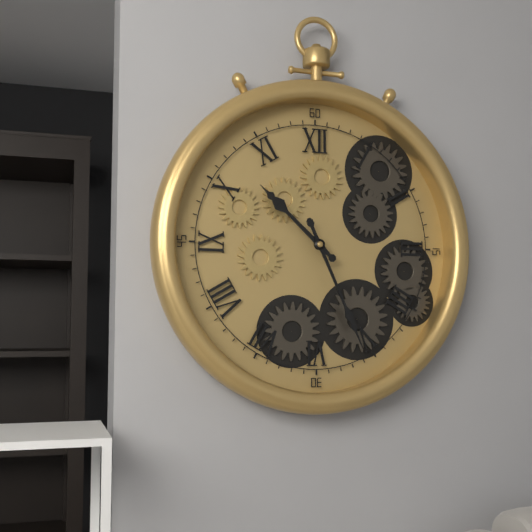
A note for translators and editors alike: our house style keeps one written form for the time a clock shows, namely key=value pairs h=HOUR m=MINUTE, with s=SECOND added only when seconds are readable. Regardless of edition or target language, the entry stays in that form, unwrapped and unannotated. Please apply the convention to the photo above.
h=10 m=26
